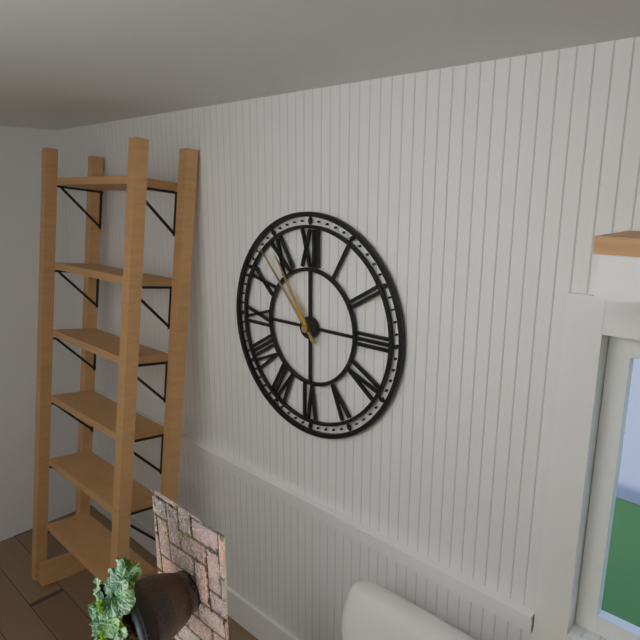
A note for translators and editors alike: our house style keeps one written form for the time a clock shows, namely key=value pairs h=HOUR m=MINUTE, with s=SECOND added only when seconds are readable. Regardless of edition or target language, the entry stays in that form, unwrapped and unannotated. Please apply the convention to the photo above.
h=10 m=53
